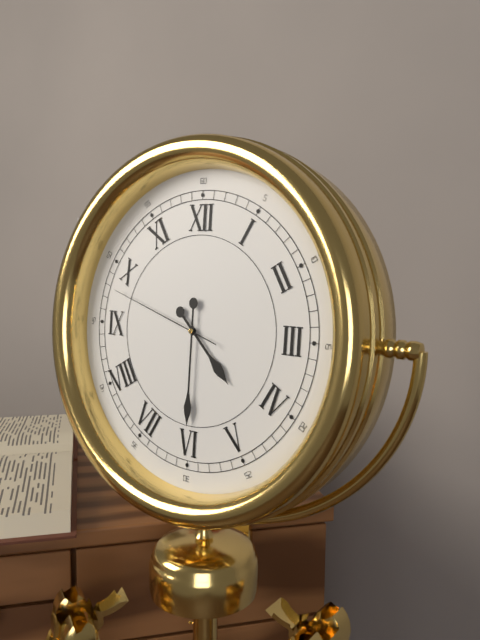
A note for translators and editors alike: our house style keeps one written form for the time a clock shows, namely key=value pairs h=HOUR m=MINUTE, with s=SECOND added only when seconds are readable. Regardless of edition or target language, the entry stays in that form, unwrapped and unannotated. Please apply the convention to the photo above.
h=4 m=30 s=48
